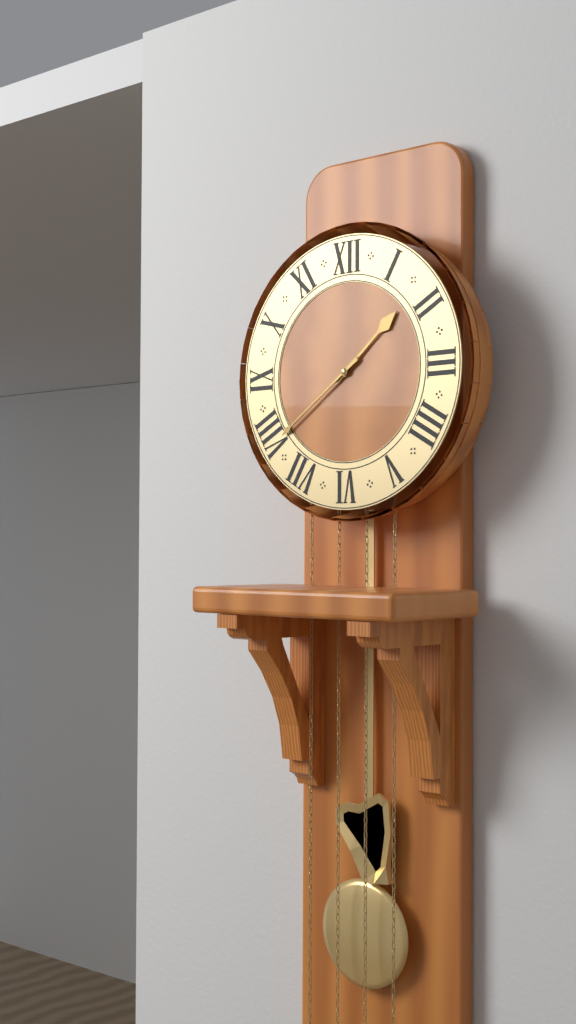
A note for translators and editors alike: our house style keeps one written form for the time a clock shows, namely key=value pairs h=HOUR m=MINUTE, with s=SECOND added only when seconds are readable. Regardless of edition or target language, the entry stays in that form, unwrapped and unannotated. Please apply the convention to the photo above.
h=1 m=39
